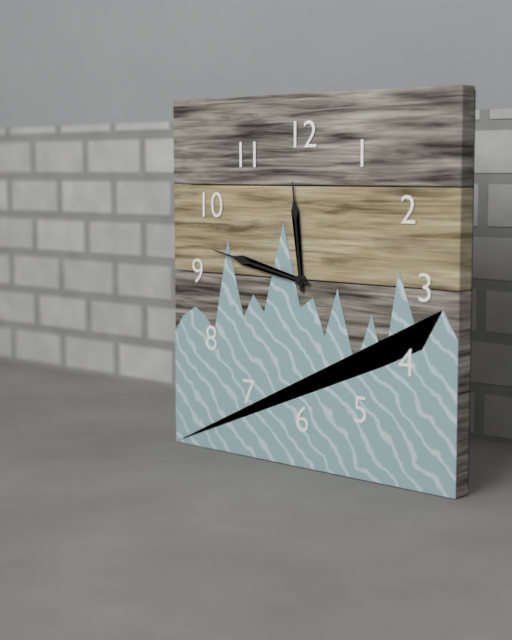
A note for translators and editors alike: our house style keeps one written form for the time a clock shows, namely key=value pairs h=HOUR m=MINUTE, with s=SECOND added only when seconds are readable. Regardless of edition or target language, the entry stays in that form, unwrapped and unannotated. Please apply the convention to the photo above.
h=11 m=47
